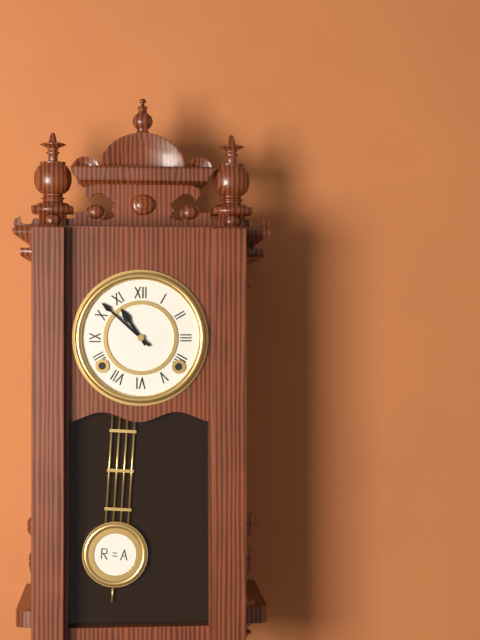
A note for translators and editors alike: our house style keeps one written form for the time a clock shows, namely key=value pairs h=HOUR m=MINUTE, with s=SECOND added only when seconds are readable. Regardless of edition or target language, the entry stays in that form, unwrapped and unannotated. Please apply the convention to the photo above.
h=10 m=52
